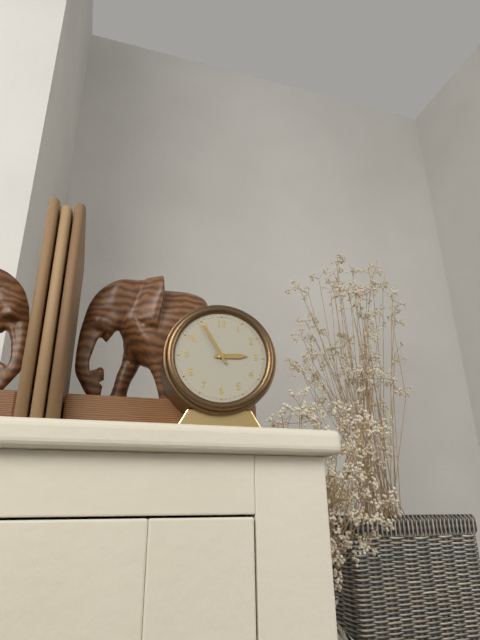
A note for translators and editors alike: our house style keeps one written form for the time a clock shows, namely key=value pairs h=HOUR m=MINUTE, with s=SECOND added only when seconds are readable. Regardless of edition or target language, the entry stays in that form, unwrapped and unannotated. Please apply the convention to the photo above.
h=2 m=55
